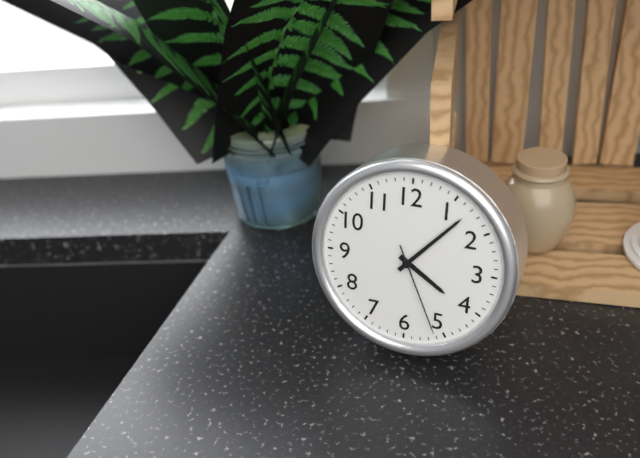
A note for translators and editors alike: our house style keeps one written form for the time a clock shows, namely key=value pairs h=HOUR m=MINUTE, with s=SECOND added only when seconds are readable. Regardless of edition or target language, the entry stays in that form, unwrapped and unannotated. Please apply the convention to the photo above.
h=4 m=7 s=26
